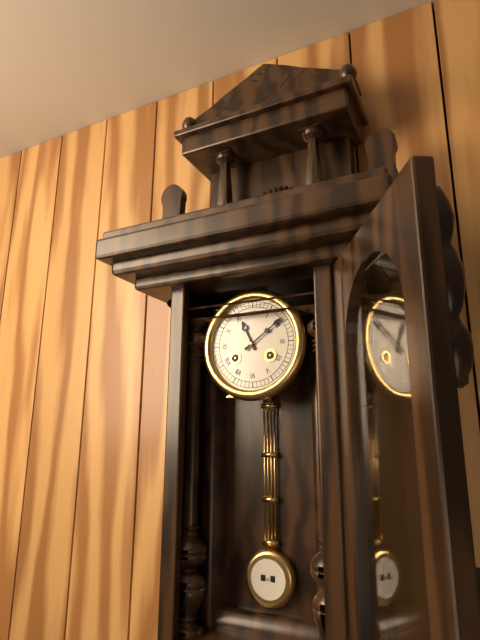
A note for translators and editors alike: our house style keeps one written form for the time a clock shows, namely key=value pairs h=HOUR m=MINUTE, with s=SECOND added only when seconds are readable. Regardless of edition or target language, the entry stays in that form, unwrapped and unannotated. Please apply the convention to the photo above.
h=11 m=9
